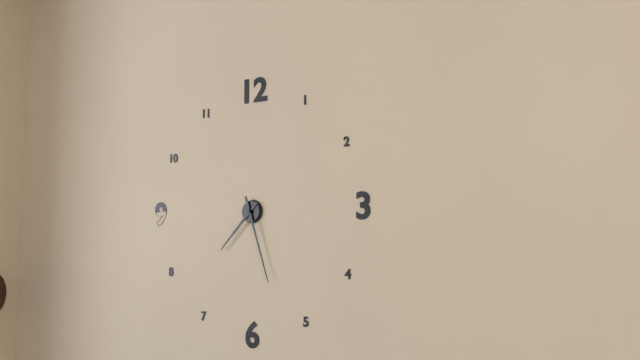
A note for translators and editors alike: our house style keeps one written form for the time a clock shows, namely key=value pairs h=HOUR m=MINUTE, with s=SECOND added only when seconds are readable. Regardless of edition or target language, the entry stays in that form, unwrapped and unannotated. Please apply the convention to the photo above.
h=7 m=27
